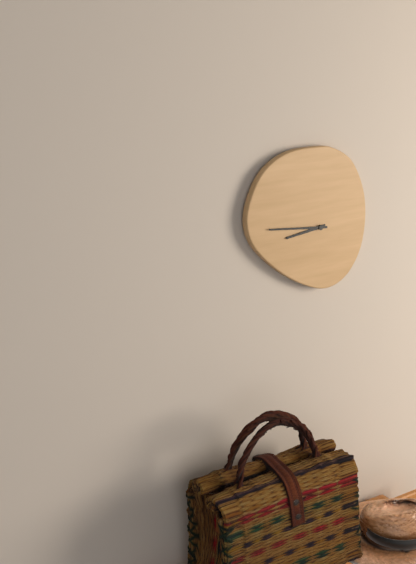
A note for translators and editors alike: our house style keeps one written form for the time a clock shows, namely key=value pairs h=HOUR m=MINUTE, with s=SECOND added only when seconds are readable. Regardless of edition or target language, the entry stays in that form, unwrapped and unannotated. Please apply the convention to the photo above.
h=8 m=46
